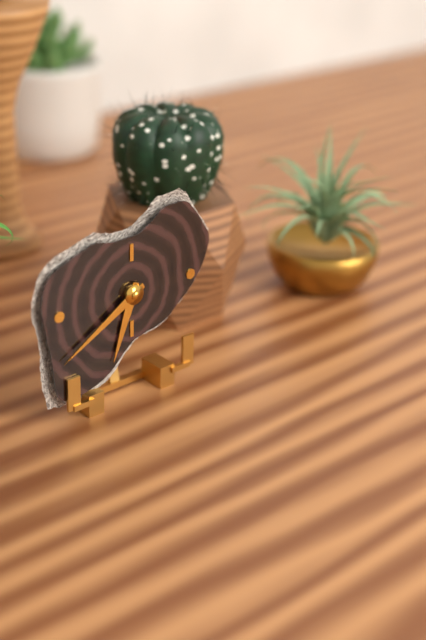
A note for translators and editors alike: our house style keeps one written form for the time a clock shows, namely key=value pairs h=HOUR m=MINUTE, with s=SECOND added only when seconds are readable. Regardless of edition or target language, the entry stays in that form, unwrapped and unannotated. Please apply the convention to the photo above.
h=6 m=40
